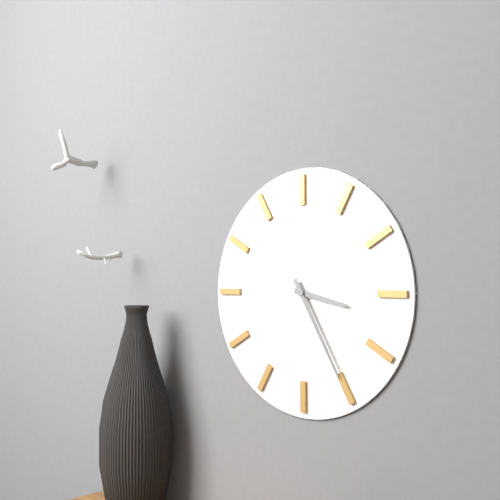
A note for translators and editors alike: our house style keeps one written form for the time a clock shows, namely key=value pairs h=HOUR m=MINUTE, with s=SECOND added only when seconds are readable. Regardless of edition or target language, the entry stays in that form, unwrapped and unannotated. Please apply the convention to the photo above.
h=3 m=25
